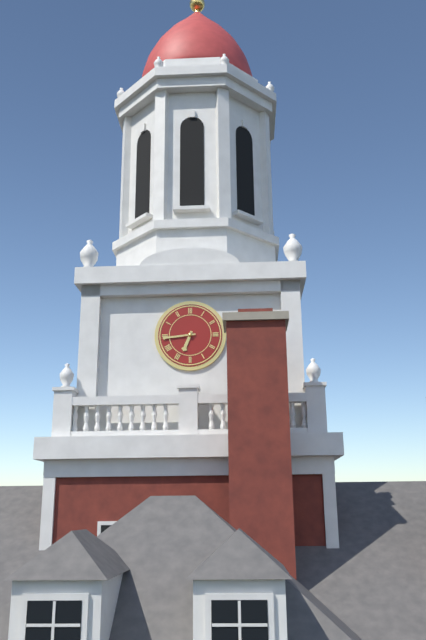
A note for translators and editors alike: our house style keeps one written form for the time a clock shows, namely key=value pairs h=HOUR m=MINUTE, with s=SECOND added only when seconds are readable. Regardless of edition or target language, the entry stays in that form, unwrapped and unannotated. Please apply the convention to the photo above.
h=6 m=44
